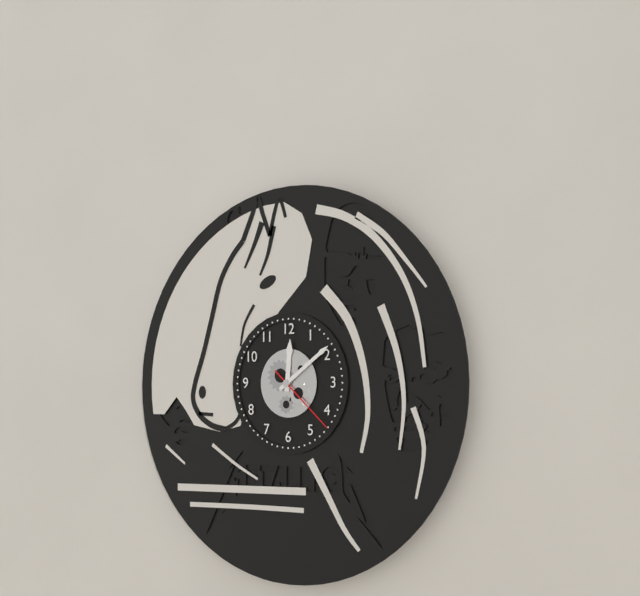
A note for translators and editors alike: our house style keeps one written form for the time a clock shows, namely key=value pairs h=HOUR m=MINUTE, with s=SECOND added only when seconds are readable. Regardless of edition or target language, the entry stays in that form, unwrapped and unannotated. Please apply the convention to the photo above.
h=12 m=9 s=22
